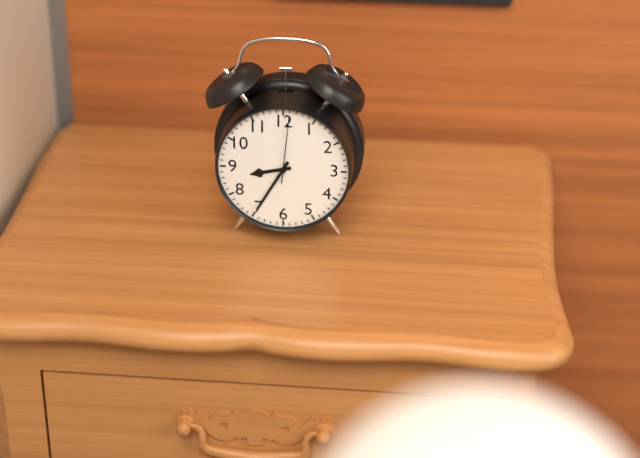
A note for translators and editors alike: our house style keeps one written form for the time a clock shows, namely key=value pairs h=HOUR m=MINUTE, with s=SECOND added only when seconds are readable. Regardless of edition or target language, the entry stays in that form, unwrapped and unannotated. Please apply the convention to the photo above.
h=8 m=35 s=1
